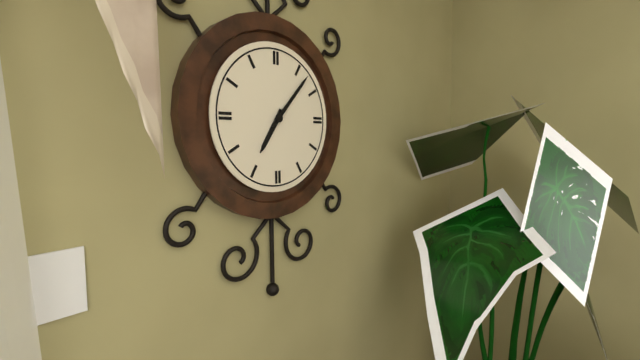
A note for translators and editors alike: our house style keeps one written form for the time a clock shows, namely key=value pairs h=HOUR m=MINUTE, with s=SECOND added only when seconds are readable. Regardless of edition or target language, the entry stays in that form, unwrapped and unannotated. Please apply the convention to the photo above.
h=7 m=7
